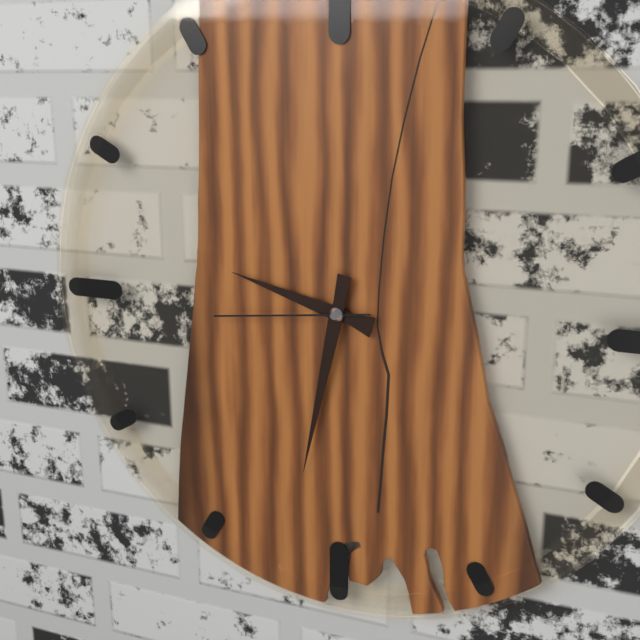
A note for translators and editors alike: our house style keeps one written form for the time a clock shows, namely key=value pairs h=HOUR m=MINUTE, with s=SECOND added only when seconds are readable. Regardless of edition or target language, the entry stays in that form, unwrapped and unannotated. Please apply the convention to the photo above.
h=9 m=32 s=44
